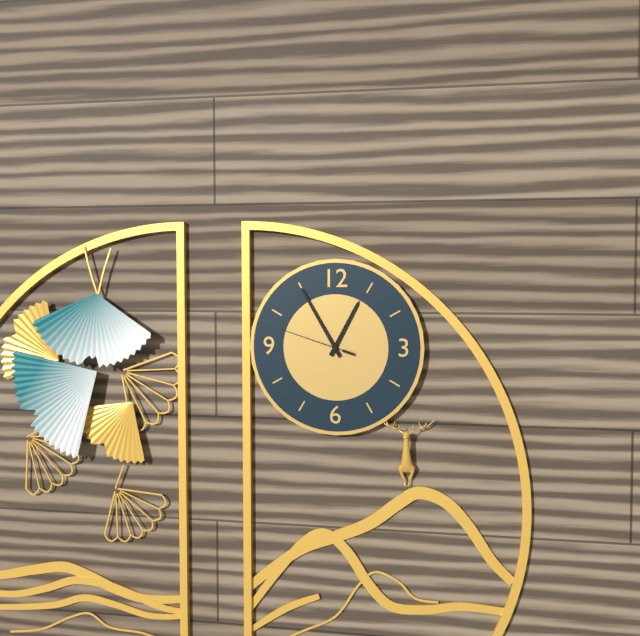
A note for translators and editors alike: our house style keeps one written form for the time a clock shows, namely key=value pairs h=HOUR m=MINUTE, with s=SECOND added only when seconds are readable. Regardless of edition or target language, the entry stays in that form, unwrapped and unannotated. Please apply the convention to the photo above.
h=12 m=55 s=48
